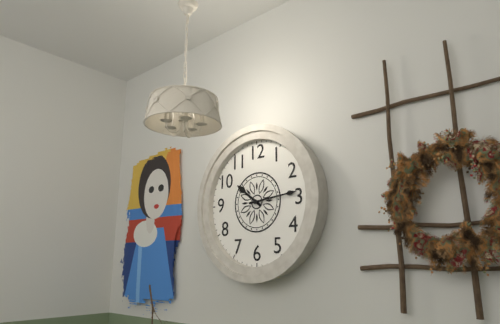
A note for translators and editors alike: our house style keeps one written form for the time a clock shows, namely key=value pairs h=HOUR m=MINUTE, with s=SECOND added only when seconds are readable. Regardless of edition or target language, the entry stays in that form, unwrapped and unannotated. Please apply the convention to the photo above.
h=10 m=14
